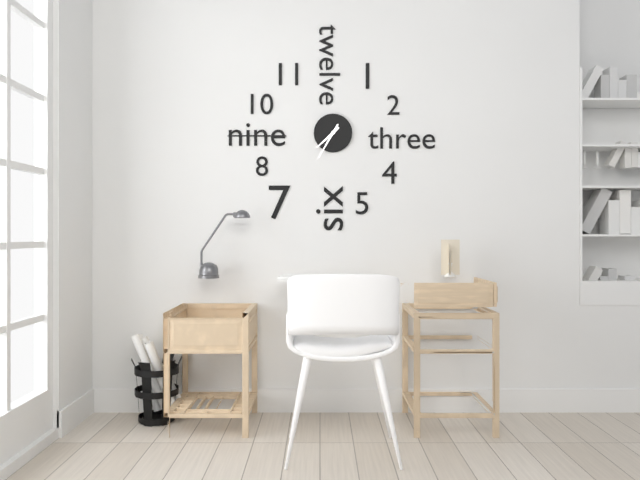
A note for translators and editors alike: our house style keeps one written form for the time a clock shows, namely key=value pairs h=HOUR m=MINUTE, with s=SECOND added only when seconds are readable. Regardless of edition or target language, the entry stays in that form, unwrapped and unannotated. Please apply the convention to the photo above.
h=7 m=35
